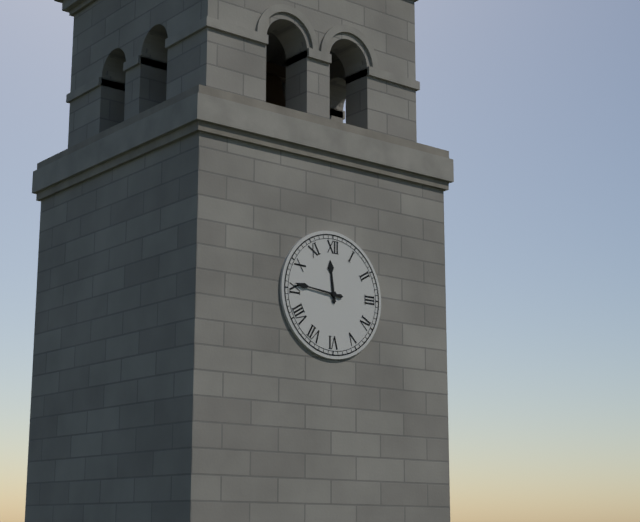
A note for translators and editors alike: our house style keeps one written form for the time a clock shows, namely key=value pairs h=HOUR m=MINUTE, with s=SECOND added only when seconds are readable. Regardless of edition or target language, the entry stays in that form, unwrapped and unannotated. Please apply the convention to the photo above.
h=11 m=46
